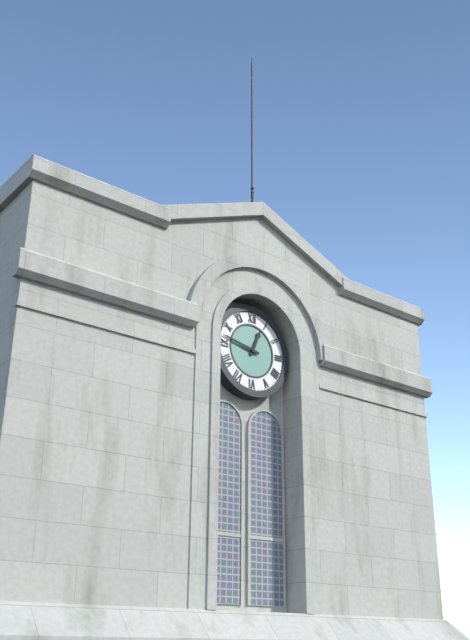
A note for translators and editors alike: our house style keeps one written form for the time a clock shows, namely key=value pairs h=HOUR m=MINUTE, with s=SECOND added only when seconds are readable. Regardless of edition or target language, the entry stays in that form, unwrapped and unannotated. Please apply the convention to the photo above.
h=12 m=47
